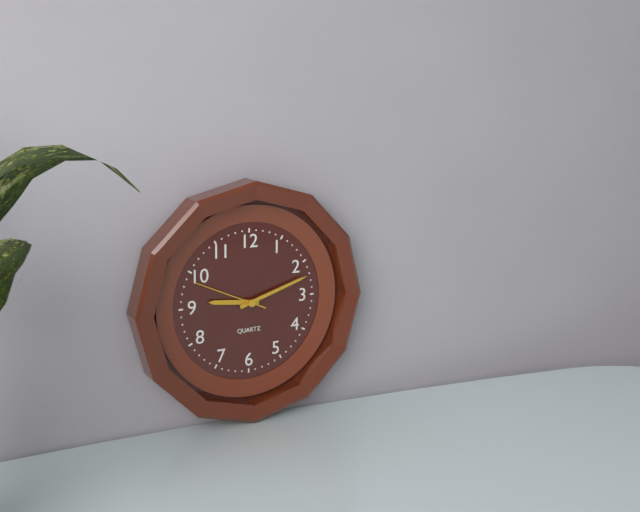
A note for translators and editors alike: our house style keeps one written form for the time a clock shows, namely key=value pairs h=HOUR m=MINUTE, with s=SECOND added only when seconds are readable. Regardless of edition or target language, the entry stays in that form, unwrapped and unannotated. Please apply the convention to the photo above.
h=9 m=12 s=49
